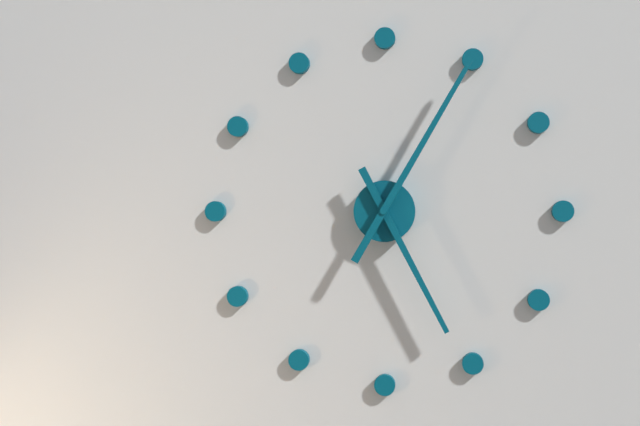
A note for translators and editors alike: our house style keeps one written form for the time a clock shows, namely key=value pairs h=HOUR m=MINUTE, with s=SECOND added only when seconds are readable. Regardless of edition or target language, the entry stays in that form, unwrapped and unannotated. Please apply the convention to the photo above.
h=5 m=5
